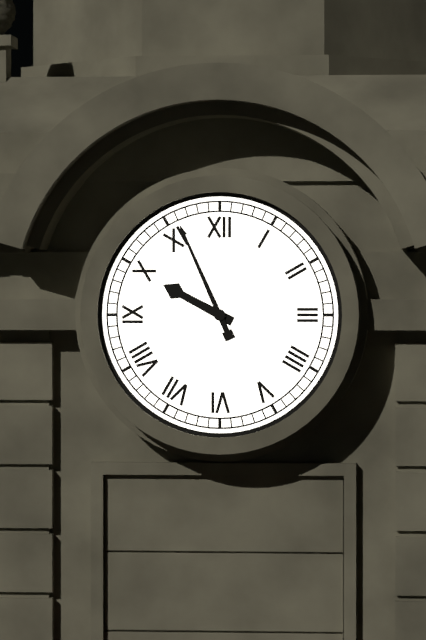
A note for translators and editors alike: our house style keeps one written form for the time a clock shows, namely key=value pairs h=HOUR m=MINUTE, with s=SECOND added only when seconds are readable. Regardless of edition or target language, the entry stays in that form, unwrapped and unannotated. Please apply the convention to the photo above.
h=9 m=56
